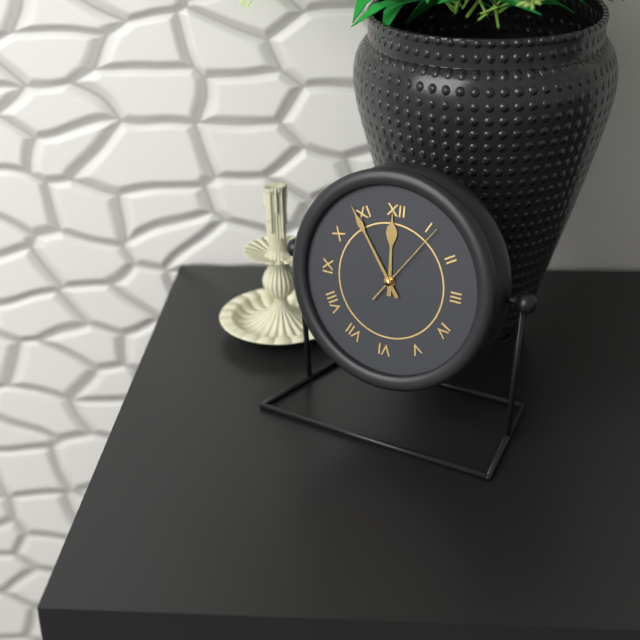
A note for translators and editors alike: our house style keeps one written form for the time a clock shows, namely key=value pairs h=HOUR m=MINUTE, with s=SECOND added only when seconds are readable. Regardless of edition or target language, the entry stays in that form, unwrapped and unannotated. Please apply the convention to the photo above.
h=11 m=54 s=6
